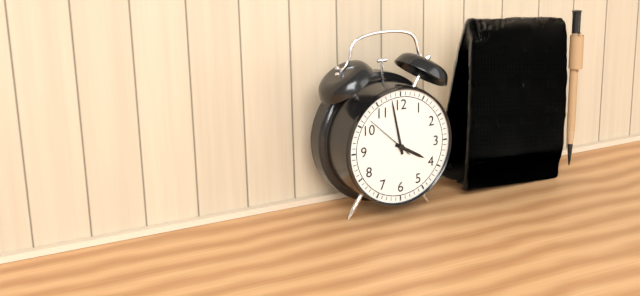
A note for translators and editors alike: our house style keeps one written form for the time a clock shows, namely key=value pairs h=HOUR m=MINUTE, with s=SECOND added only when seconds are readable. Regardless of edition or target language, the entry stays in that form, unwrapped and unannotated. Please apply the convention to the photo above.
h=3 m=58
